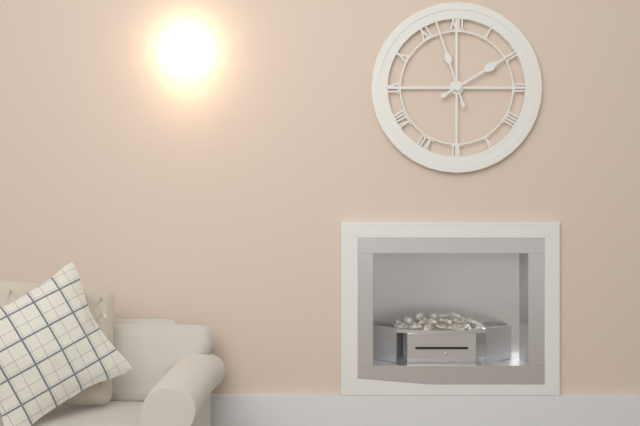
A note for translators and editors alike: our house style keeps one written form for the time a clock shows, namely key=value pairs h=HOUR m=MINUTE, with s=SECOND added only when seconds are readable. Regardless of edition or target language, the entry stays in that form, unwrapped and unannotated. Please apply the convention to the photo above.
h=1 m=57
